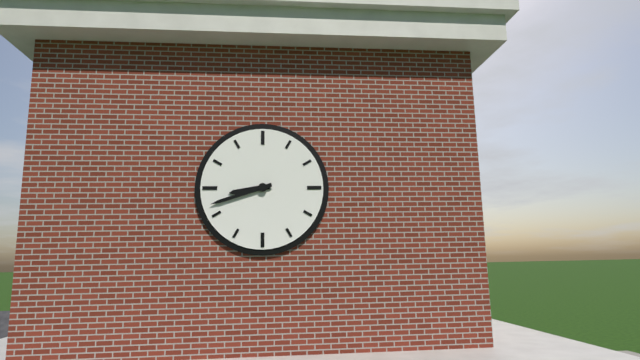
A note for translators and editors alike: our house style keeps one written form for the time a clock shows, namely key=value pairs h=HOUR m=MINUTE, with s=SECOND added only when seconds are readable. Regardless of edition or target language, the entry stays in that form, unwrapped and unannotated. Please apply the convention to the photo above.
h=8 m=42
